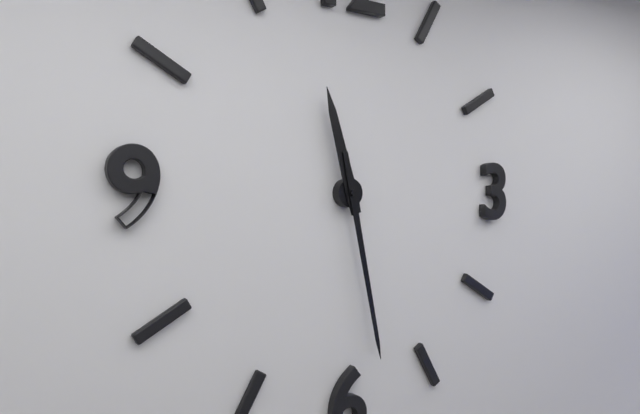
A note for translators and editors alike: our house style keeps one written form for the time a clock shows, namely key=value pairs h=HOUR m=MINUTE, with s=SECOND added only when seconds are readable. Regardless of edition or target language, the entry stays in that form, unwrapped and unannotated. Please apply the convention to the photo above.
h=11 m=28
